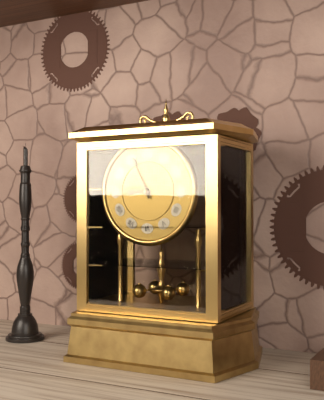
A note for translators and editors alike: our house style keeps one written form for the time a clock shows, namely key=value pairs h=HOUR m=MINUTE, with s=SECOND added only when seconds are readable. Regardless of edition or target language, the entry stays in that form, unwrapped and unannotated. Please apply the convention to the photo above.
h=8 m=56
